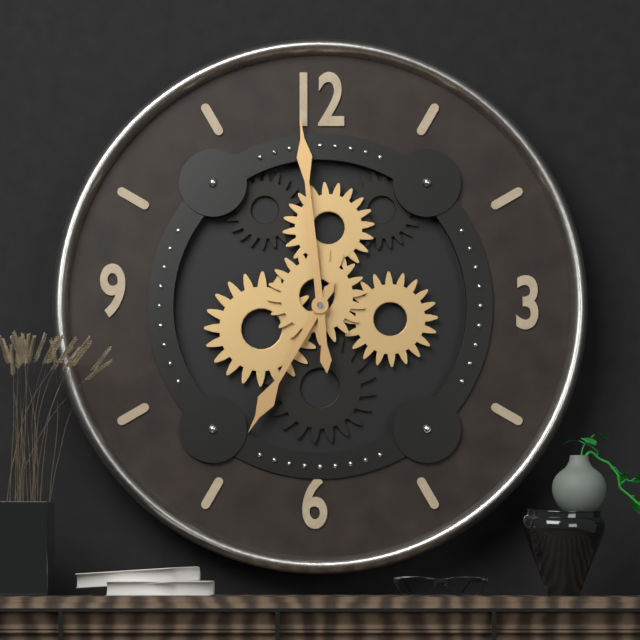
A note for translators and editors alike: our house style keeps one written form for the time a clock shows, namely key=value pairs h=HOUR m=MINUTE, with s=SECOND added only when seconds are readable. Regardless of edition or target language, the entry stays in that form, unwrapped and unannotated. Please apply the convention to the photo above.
h=6 m=59
